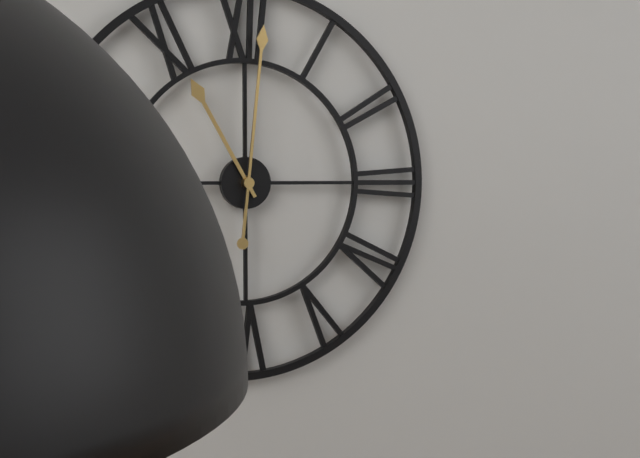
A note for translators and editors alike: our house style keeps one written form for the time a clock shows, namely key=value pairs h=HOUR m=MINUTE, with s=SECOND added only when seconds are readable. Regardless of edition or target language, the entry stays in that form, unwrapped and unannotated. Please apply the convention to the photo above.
h=11 m=1
